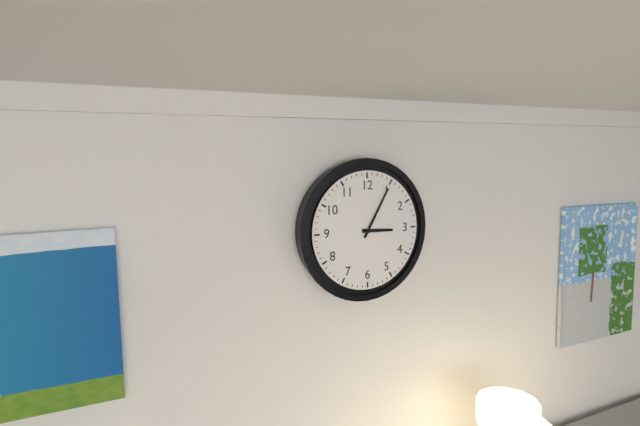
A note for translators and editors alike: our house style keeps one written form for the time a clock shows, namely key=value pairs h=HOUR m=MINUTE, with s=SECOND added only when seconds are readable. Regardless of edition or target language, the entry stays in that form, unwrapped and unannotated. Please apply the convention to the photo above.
h=3 m=5
